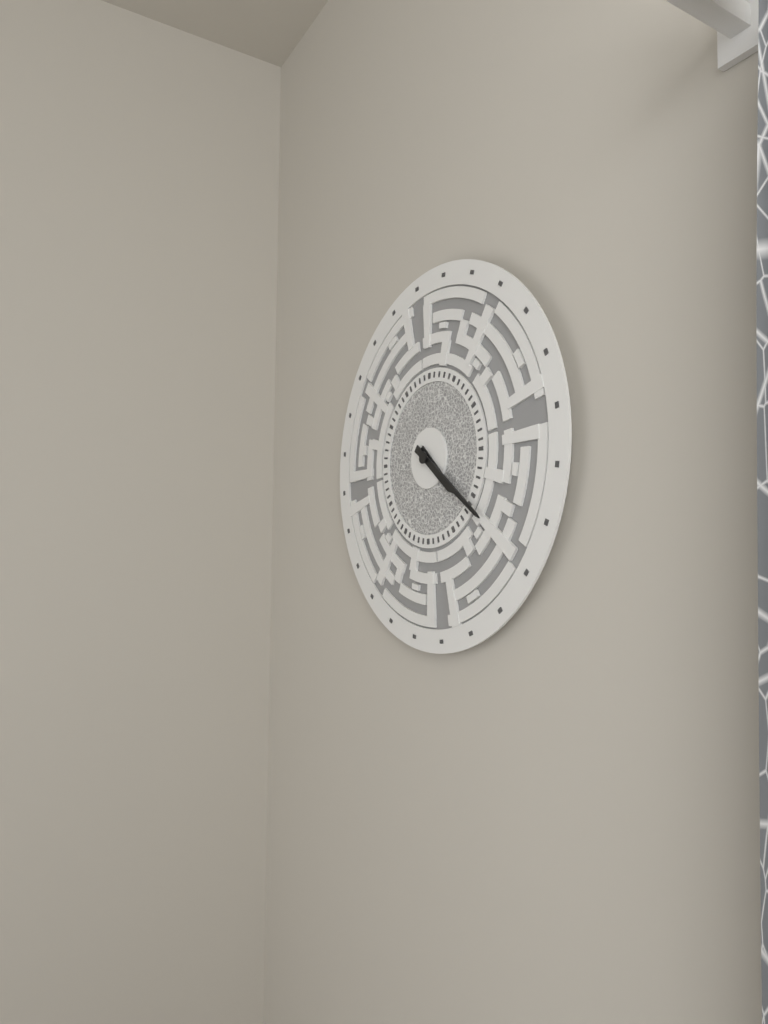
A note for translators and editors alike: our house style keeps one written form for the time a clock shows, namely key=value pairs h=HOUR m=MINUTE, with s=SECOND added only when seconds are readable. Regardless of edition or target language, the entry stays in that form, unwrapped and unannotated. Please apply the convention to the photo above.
h=4 m=21
